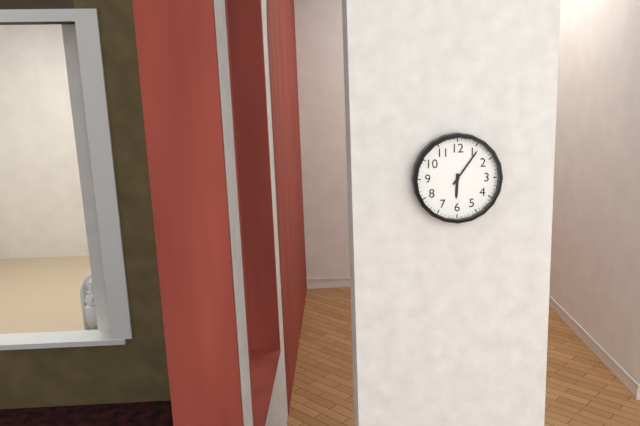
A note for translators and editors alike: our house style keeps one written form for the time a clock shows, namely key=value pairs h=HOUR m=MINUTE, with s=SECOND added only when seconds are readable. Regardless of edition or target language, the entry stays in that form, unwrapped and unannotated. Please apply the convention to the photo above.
h=6 m=6
